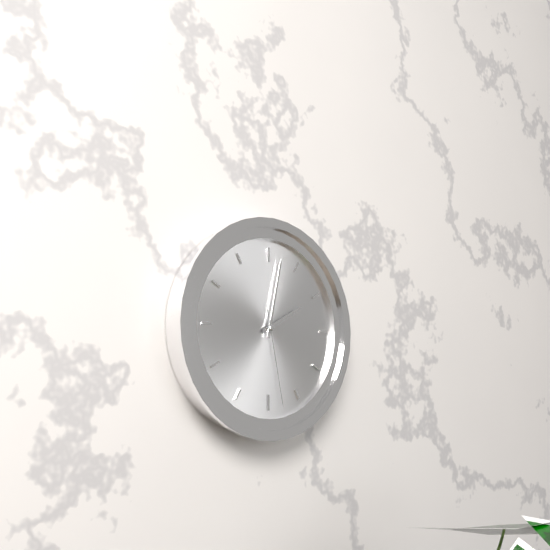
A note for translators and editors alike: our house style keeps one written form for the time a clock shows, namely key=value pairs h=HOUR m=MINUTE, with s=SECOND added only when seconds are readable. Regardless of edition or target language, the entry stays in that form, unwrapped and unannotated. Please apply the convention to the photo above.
h=2 m=2 s=28
